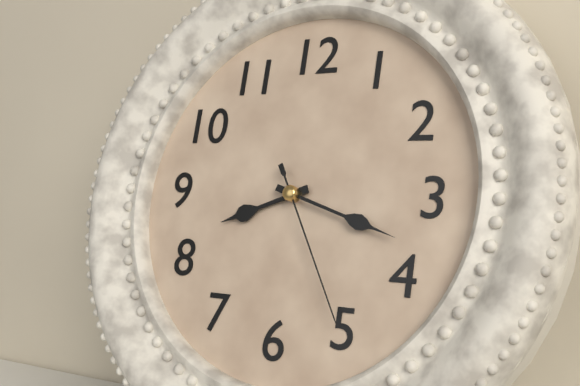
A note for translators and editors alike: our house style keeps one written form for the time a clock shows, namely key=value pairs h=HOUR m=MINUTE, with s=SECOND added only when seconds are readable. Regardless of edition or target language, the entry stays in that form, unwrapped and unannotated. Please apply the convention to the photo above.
h=8 m=18 s=25
